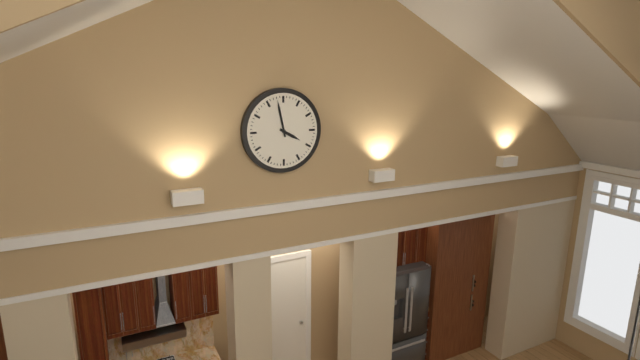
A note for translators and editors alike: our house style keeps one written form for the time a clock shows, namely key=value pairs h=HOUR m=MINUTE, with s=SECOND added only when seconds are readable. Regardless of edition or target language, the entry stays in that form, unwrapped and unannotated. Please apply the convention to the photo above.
h=3 m=58
